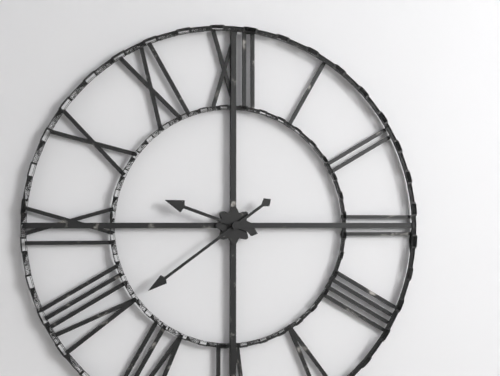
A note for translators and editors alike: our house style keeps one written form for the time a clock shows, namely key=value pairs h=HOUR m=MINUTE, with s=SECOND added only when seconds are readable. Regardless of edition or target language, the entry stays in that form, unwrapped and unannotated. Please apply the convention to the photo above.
h=9 m=39
